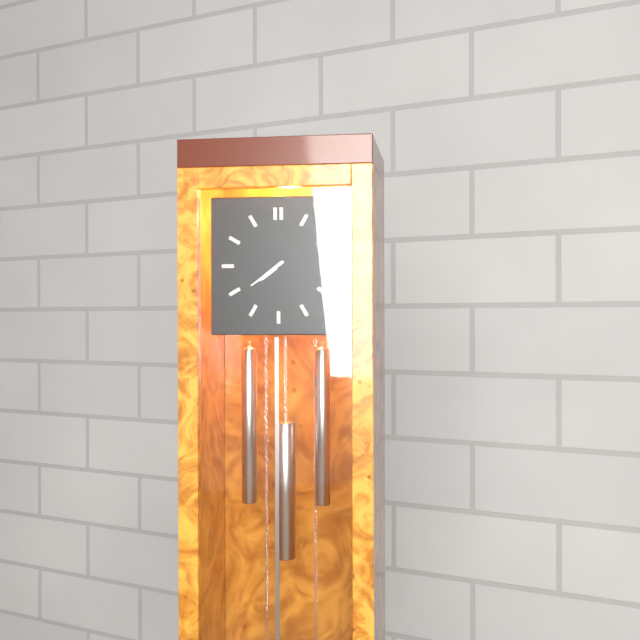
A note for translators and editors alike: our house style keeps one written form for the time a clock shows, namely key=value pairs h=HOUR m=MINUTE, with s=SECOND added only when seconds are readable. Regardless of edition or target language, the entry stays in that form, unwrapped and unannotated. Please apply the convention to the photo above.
h=7 m=39
